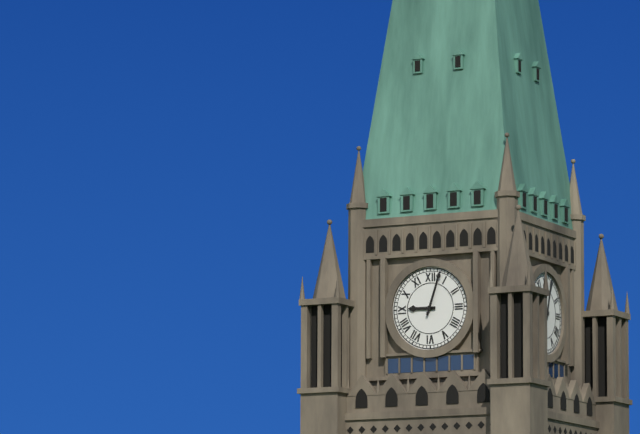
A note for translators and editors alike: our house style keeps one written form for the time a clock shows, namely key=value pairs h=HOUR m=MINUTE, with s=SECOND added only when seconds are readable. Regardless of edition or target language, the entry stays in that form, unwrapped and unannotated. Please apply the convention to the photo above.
h=9 m=3
